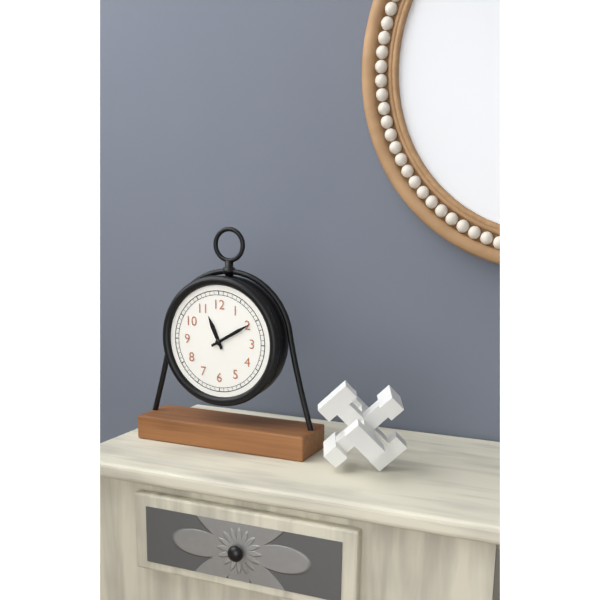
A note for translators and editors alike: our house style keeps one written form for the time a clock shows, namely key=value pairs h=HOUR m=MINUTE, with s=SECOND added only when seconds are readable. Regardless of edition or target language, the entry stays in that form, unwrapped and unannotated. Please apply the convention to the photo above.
h=11 m=10
